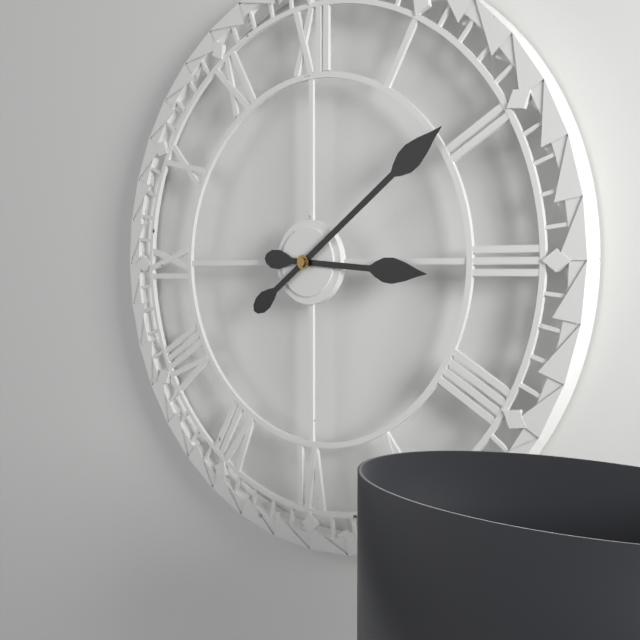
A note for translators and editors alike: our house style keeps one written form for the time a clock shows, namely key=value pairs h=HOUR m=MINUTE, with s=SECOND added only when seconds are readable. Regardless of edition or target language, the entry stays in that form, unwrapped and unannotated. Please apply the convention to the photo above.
h=3 m=9
